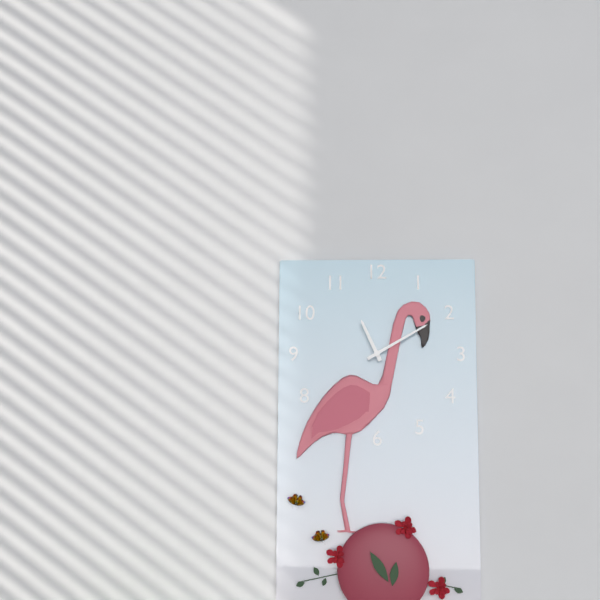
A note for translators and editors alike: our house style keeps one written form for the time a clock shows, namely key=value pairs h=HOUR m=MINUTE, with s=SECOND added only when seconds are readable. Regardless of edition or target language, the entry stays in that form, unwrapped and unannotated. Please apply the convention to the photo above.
h=11 m=10
